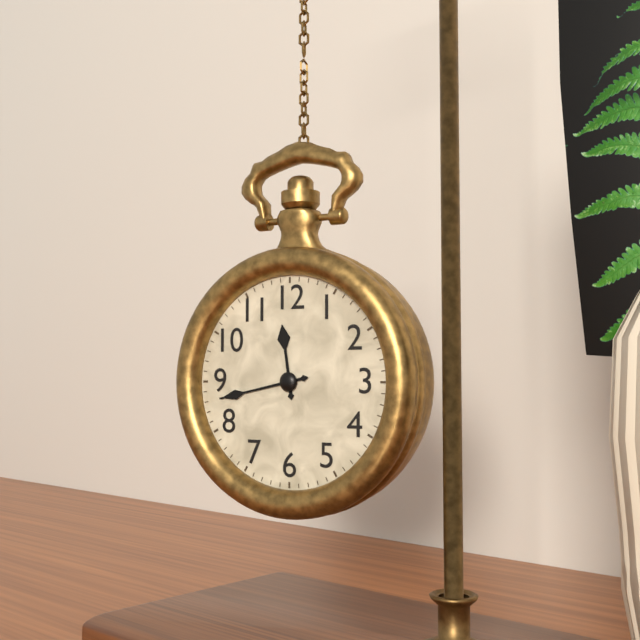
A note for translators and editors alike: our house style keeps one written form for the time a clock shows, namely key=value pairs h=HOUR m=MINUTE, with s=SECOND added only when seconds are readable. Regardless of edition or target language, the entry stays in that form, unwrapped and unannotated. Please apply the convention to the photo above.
h=11 m=43
